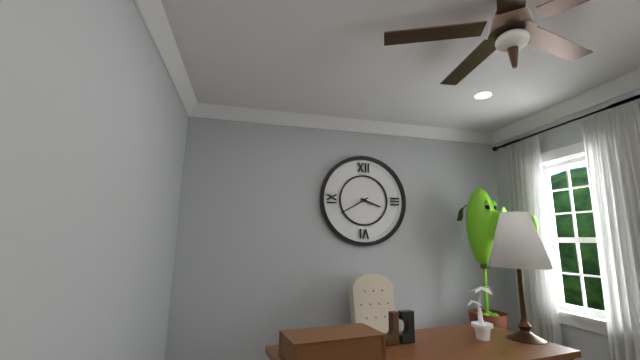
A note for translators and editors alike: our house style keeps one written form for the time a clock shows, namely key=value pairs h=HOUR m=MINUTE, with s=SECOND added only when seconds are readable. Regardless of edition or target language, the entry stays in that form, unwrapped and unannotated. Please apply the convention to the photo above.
h=3 m=40
